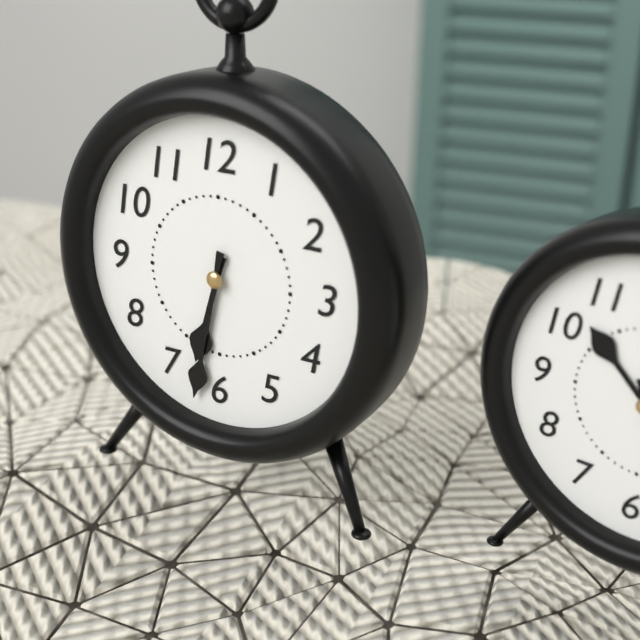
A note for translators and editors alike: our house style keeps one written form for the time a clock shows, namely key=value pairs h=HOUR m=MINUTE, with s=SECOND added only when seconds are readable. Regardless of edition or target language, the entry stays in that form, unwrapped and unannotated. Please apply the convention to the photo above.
h=6 m=32
